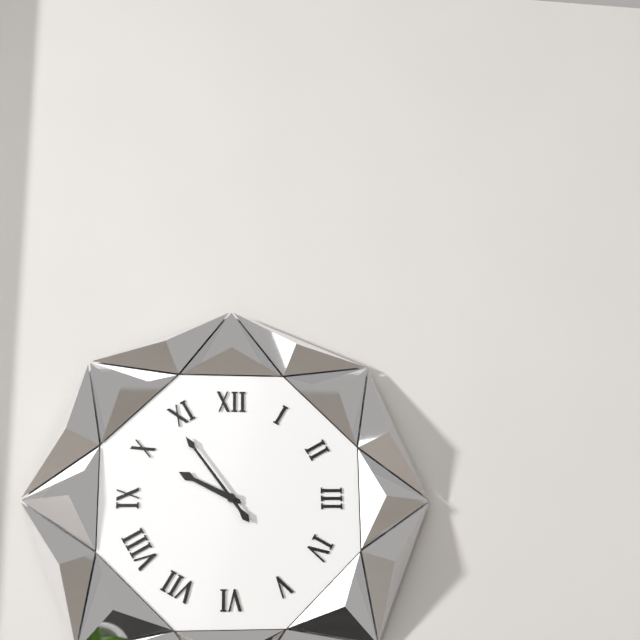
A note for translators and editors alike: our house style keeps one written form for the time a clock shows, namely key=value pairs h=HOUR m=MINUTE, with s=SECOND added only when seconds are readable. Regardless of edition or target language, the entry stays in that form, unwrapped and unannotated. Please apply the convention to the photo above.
h=9 m=54
